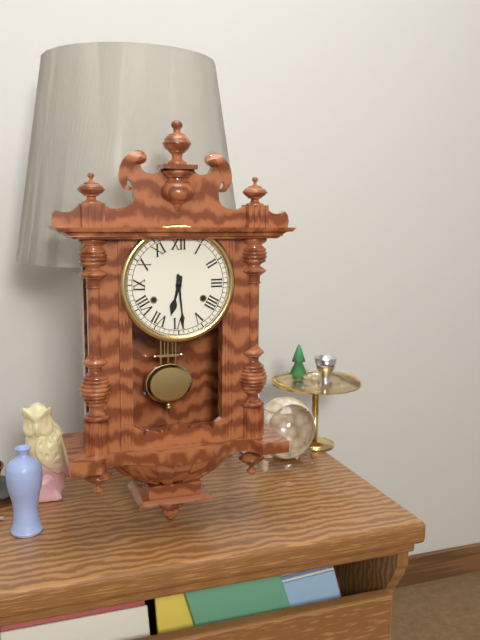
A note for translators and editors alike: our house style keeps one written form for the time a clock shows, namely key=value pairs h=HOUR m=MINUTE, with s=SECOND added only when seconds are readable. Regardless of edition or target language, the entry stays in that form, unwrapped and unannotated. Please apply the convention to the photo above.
h=6 m=29
